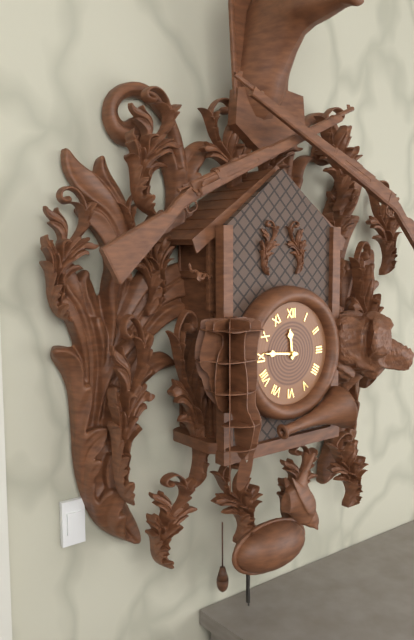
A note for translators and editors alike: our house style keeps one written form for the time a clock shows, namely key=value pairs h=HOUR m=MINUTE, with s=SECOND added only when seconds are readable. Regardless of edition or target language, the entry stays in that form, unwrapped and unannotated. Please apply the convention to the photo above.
h=11 m=46
